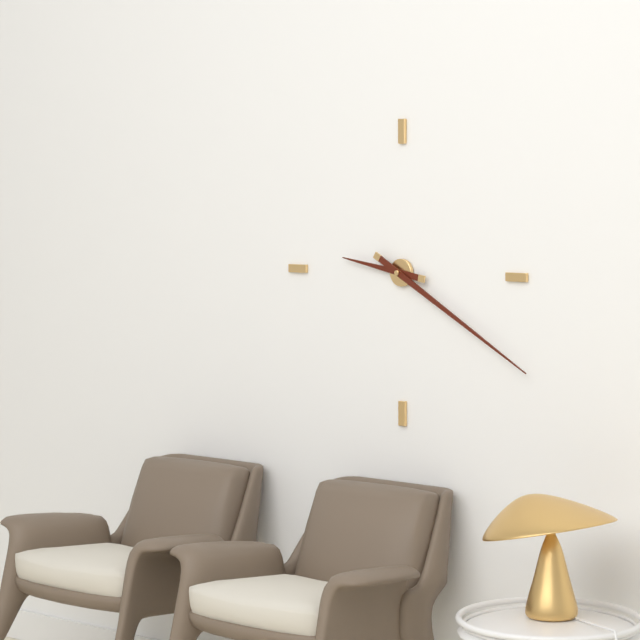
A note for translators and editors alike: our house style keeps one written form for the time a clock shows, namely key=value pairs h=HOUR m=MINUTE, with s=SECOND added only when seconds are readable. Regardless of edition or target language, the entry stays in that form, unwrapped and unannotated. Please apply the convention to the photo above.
h=9 m=20
